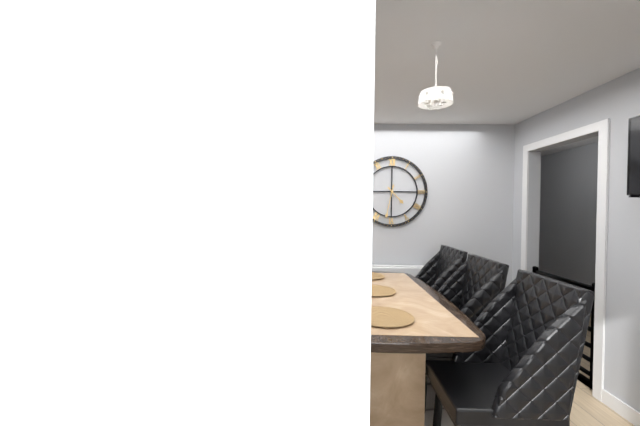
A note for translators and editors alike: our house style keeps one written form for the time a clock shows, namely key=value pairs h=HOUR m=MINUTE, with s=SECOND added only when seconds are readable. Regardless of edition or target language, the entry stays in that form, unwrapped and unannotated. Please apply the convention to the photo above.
h=4 m=32
